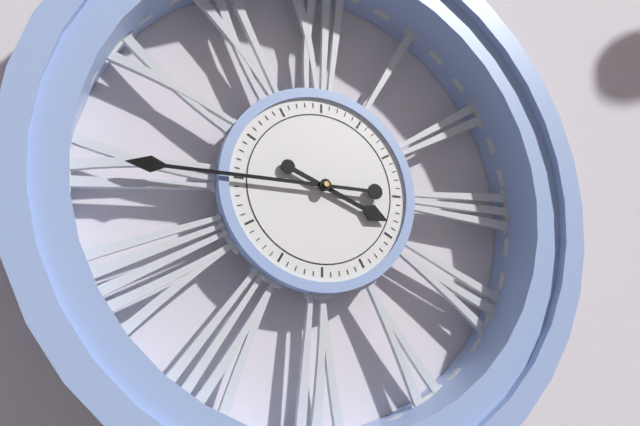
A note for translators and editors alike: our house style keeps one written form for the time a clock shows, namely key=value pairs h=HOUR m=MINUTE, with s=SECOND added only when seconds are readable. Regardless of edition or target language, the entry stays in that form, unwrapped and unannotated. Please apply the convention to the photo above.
h=3 m=45
